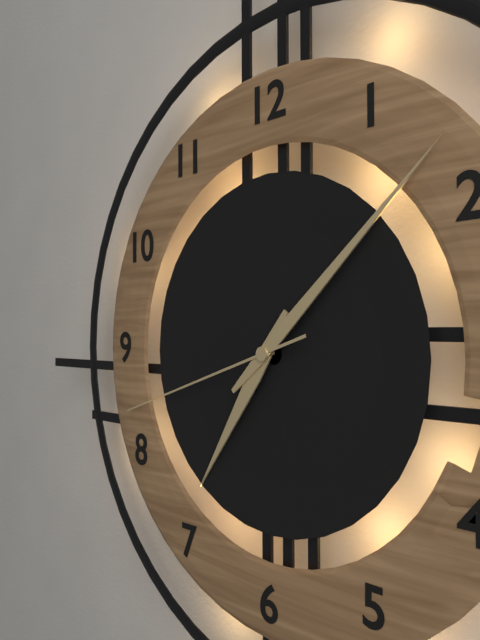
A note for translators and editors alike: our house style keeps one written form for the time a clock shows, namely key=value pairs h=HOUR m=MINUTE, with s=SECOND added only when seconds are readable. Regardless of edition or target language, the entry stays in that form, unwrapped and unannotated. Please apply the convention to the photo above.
h=7 m=8 s=42
